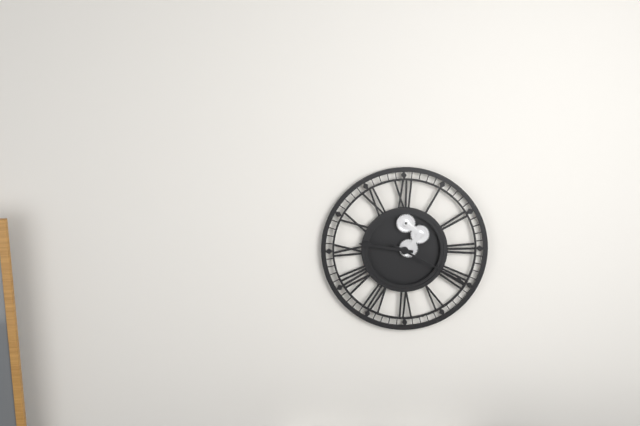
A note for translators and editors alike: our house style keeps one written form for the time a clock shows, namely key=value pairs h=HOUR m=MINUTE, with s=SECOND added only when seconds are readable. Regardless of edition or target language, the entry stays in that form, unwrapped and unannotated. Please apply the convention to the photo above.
h=9 m=20
